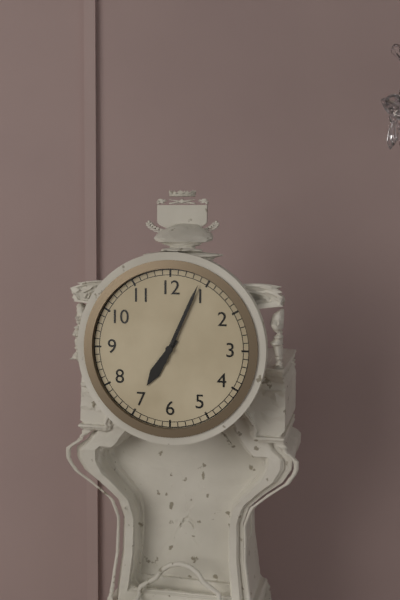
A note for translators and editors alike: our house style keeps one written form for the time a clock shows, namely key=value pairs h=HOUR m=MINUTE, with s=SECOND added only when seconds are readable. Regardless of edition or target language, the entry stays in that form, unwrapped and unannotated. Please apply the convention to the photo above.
h=7 m=4
